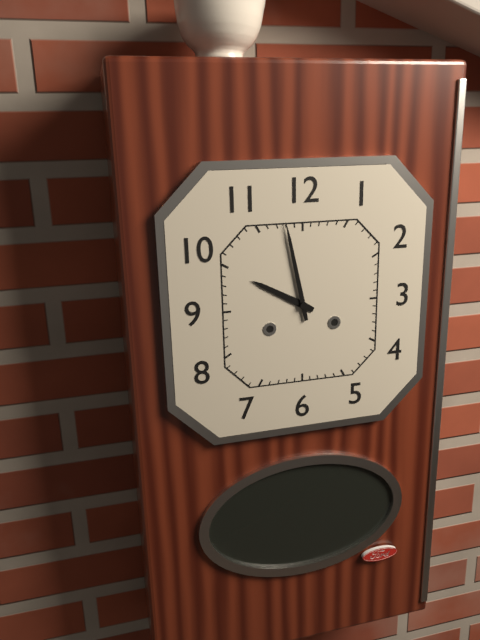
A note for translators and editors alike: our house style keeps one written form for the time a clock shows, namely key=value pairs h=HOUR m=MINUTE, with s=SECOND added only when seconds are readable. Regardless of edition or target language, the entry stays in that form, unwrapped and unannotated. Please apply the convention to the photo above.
h=9 m=58
